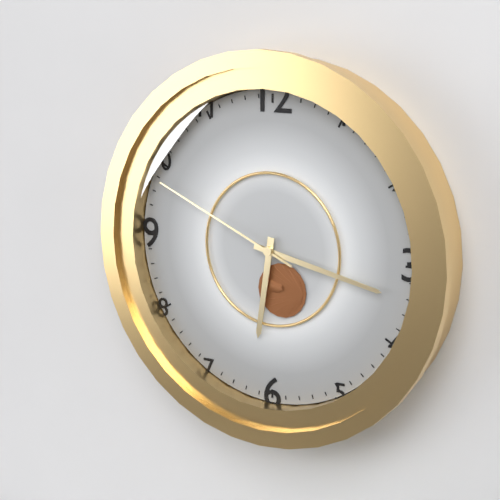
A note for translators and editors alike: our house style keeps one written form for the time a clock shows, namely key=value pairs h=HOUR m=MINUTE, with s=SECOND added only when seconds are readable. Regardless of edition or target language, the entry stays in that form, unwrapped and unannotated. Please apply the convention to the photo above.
h=6 m=17 s=49
